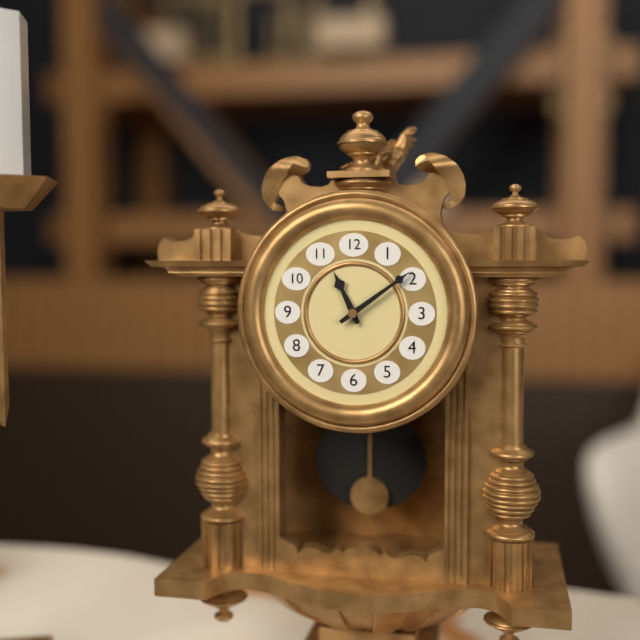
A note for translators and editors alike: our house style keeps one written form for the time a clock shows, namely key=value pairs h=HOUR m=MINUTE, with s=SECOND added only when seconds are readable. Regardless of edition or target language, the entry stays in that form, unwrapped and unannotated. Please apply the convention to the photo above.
h=11 m=9
